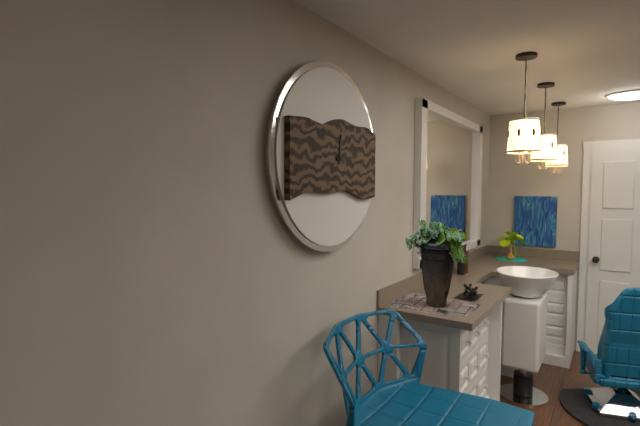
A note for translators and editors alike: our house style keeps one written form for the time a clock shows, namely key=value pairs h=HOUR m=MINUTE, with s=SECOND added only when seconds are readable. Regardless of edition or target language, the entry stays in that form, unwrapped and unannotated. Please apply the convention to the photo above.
h=12 m=14
